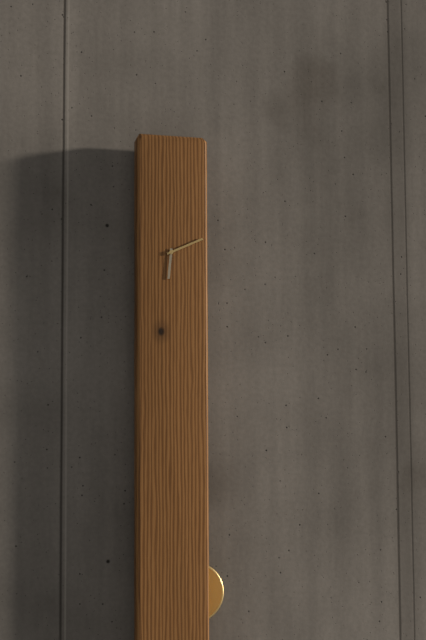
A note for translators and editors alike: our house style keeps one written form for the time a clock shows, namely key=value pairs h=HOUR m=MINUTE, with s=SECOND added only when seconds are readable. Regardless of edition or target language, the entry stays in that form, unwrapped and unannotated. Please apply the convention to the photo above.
h=6 m=11
